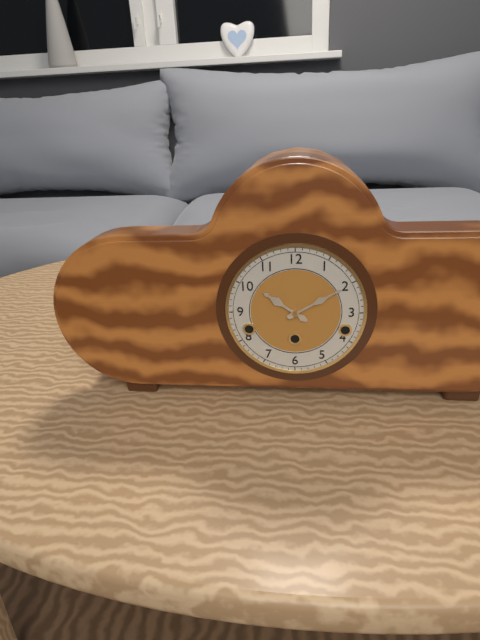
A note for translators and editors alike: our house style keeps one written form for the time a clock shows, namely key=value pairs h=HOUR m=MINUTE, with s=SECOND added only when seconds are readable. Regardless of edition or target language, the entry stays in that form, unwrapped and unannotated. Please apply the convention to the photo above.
h=10 m=10
